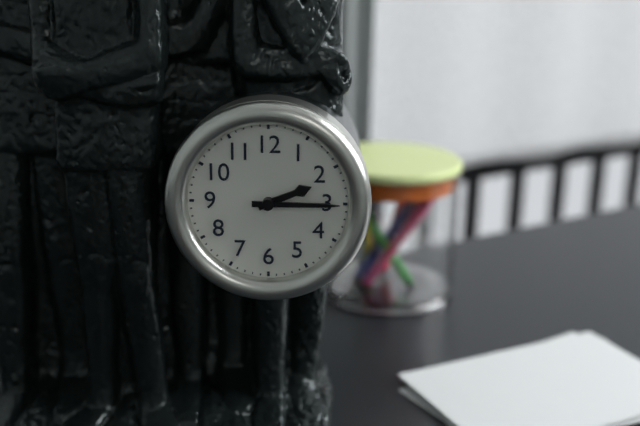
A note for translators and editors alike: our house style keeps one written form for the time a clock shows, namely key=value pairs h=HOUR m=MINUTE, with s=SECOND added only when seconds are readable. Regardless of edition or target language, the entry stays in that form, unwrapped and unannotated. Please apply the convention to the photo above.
h=2 m=15
